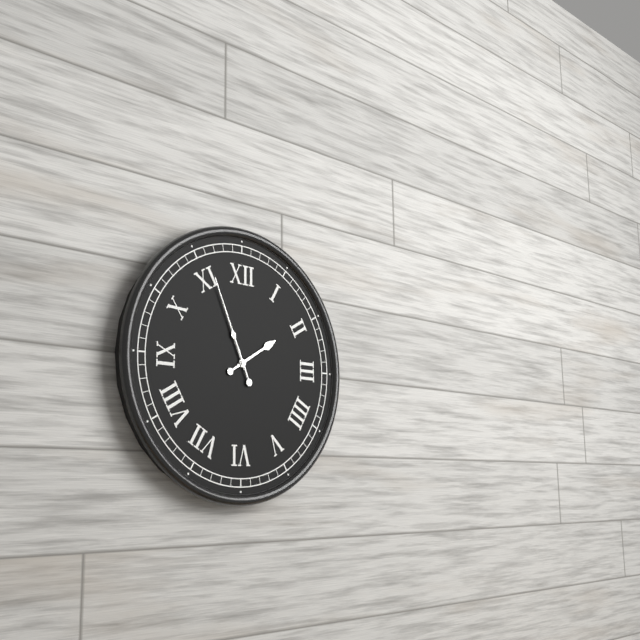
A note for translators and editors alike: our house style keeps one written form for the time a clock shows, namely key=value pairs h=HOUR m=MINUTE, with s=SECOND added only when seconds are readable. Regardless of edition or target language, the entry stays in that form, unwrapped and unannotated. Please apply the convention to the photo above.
h=1 m=56 s=56
